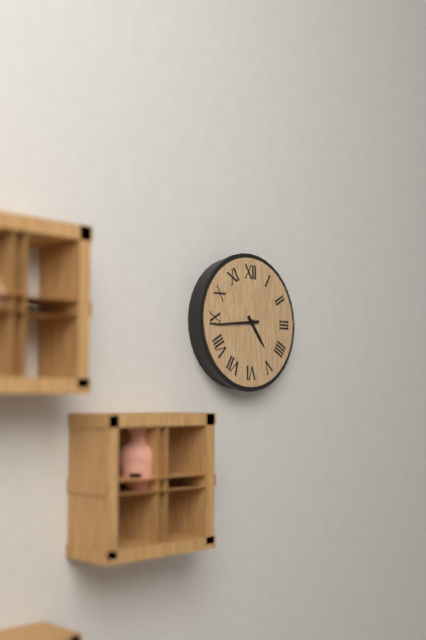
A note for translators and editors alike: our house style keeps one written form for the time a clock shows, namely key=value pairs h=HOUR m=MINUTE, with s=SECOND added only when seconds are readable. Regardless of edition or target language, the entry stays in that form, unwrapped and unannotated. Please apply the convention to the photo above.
h=4 m=44
